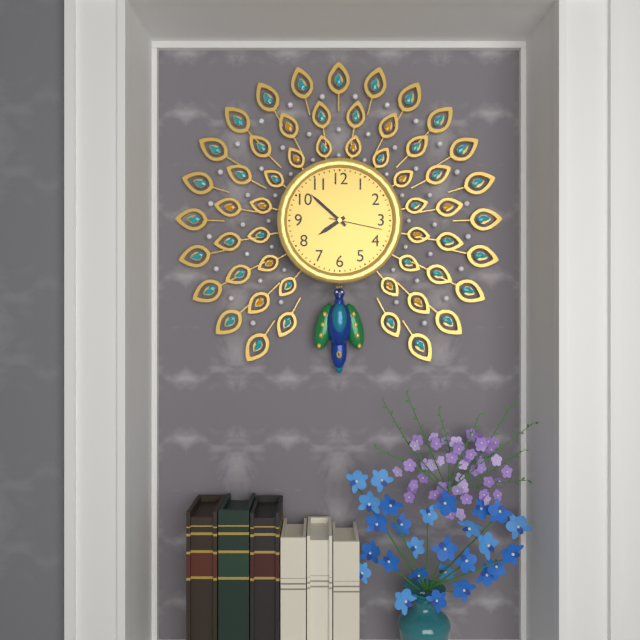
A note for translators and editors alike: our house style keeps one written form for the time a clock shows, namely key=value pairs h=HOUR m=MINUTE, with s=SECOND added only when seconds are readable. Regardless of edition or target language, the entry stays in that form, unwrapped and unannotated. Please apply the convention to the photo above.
h=7 m=52 s=17
